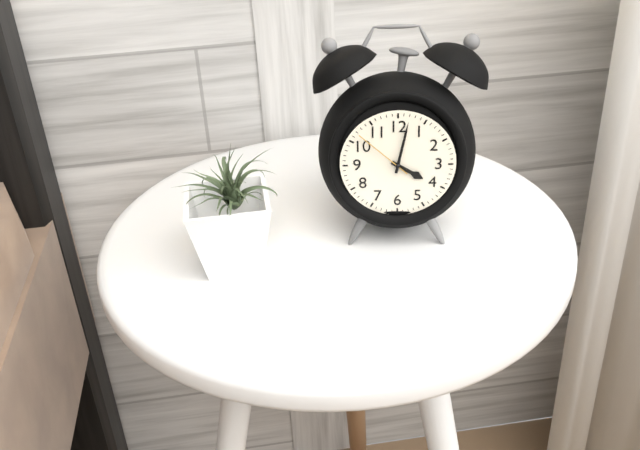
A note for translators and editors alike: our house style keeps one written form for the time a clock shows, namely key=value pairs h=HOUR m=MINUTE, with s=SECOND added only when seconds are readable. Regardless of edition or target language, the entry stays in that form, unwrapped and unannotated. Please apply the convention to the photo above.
h=4 m=2 s=52
